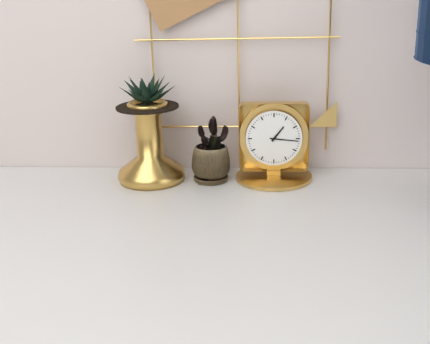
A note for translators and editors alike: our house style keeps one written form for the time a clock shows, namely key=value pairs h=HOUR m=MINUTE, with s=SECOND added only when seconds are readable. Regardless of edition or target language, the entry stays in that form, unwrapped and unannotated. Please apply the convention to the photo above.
h=1 m=16
